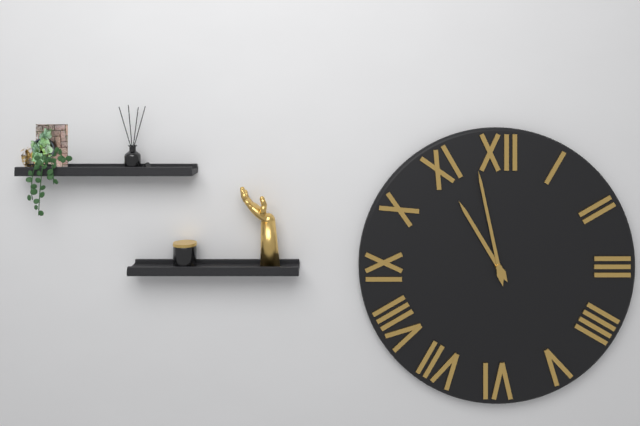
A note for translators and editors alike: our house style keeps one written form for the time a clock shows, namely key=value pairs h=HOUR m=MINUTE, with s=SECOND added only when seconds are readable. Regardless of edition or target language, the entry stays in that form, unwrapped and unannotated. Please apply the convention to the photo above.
h=10 m=58
